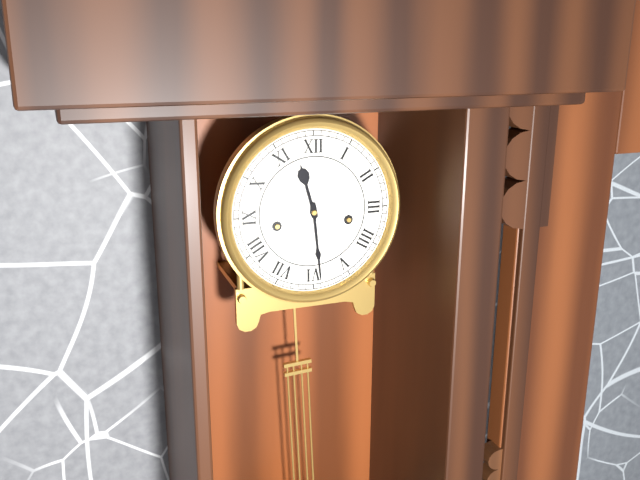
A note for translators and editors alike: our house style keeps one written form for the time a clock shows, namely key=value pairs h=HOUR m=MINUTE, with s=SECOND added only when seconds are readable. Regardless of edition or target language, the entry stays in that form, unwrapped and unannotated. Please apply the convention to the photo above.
h=11 m=29
